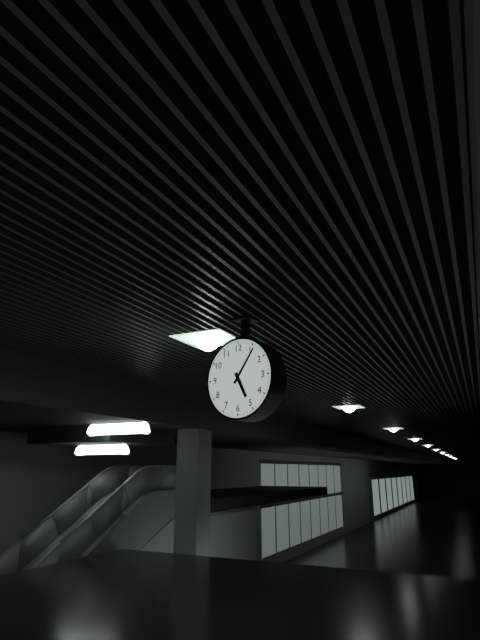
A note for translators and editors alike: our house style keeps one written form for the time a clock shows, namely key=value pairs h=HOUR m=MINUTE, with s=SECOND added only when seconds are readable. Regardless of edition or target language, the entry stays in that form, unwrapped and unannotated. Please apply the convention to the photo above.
h=5 m=6
